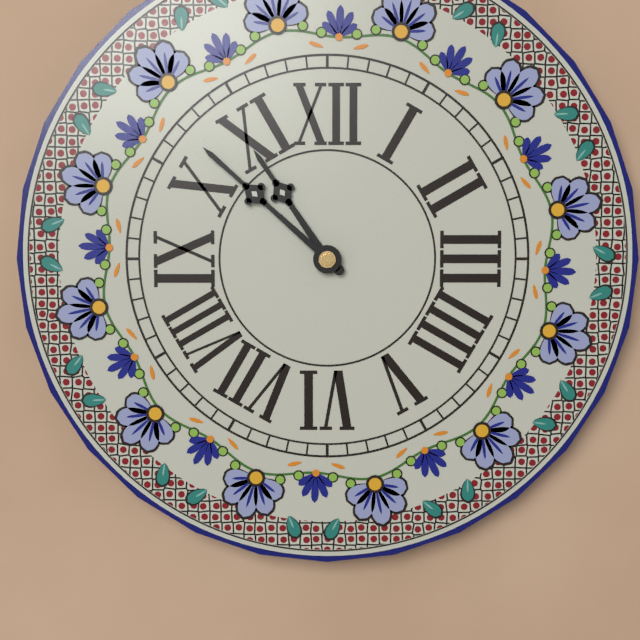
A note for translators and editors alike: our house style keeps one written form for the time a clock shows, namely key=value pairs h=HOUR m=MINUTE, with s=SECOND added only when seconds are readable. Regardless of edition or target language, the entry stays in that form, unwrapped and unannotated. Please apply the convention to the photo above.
h=10 m=52
